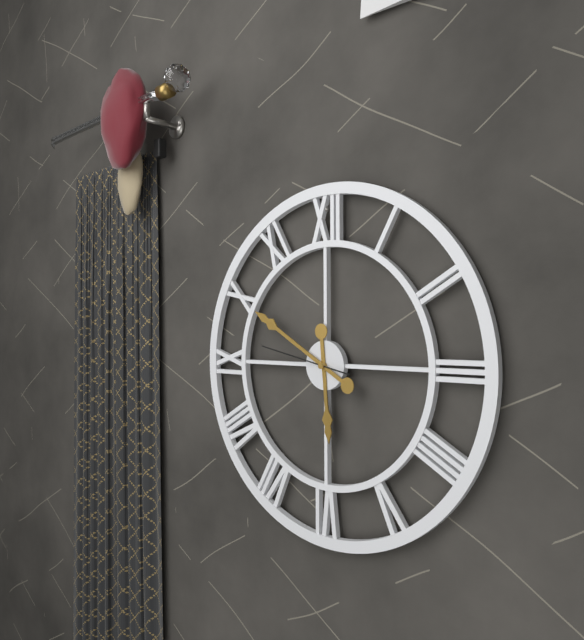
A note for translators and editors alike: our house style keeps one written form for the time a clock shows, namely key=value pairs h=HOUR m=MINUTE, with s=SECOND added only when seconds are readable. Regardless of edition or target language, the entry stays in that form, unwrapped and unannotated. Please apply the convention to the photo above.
h=5 m=50 s=47
